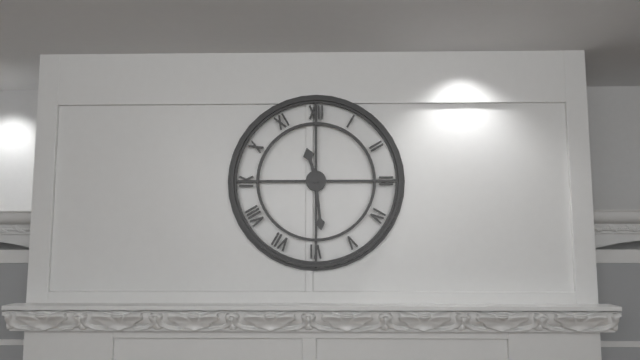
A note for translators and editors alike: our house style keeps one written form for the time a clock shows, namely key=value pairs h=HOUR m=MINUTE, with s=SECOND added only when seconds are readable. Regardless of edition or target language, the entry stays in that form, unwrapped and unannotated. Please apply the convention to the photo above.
h=11 m=29
